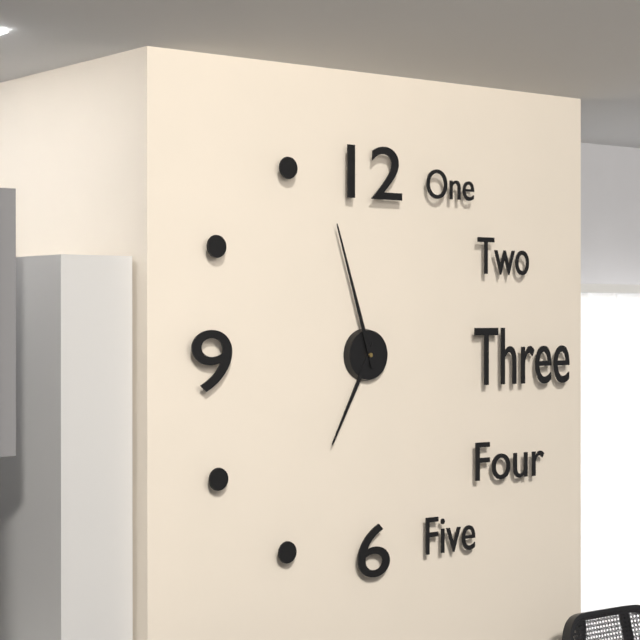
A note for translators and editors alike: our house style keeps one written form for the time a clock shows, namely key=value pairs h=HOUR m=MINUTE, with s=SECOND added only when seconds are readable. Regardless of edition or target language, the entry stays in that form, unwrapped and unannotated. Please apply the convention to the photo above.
h=6 m=57
